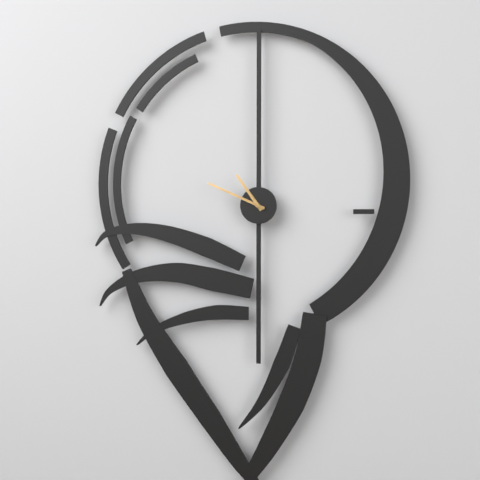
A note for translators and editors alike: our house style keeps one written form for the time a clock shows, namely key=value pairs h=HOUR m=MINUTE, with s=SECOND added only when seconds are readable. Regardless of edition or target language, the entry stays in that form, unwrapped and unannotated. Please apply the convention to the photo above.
h=10 m=49
